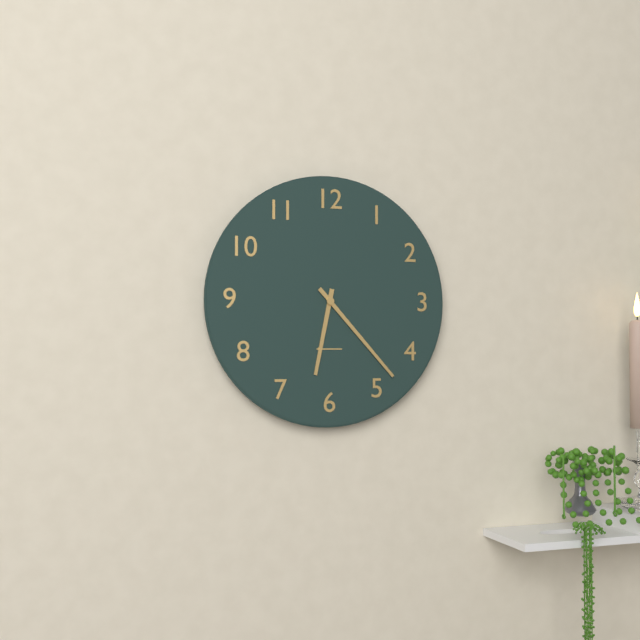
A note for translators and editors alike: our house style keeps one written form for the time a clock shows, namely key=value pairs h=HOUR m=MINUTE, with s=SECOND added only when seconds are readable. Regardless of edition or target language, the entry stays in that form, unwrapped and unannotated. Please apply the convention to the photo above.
h=6 m=23
